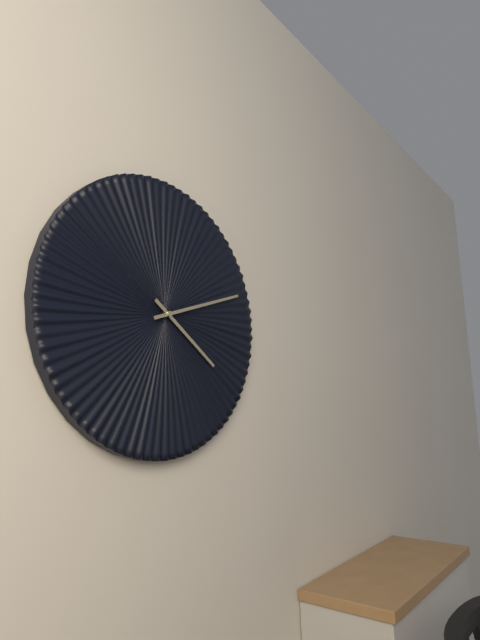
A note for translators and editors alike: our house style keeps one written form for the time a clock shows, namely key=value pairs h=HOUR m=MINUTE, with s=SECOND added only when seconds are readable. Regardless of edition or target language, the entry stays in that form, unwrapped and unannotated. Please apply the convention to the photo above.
h=4 m=12
